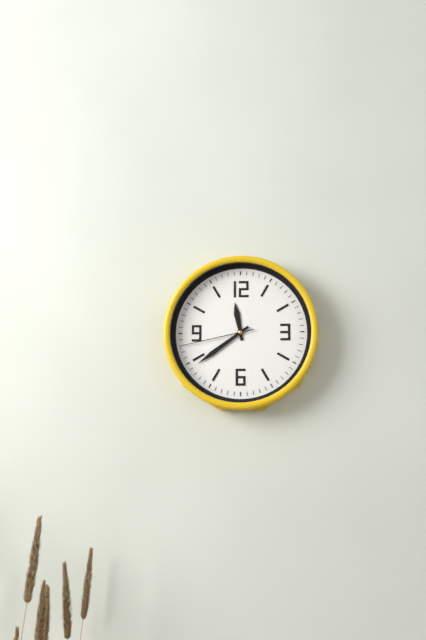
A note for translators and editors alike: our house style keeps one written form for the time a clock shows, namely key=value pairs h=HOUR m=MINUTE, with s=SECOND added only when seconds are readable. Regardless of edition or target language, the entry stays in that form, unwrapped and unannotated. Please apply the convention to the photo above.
h=11 m=39 s=43
